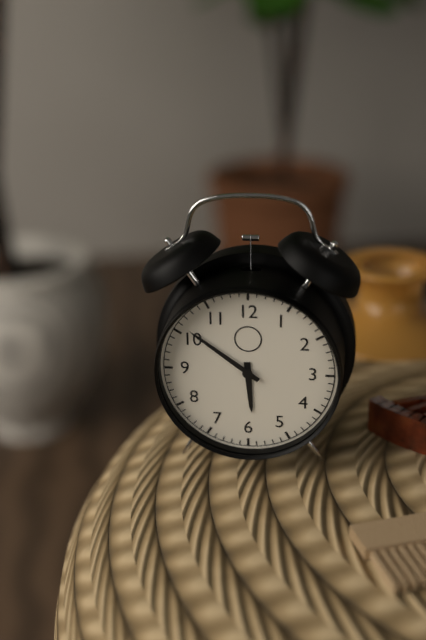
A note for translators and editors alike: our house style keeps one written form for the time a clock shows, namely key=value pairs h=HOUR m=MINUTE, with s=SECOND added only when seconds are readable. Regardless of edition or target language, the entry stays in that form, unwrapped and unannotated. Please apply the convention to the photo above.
h=5 m=51
